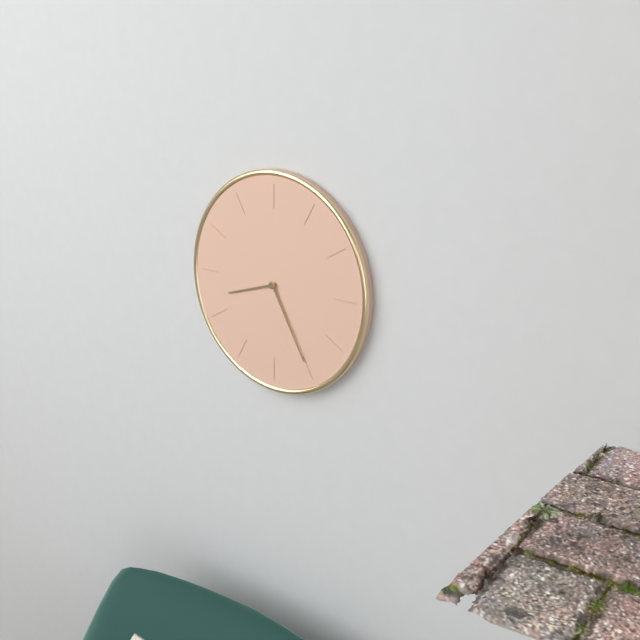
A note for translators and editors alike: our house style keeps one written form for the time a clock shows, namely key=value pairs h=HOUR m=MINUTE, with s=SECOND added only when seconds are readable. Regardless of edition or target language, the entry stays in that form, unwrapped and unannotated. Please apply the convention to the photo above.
h=8 m=25
